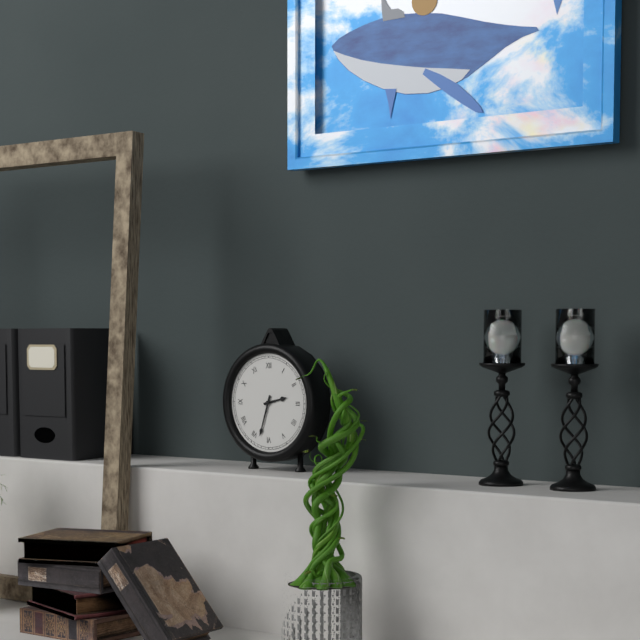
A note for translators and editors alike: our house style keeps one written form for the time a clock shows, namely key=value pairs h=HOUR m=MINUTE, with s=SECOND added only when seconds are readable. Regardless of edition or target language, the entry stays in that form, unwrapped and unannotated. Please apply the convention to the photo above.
h=2 m=33
